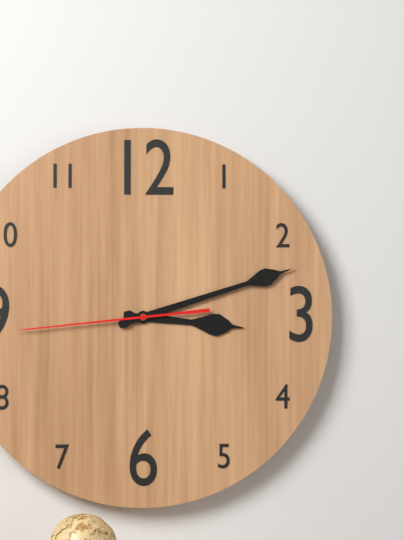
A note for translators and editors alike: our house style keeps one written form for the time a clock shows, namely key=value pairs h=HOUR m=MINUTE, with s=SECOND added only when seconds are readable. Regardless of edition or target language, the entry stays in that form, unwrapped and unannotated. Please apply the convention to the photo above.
h=3 m=12 s=44
